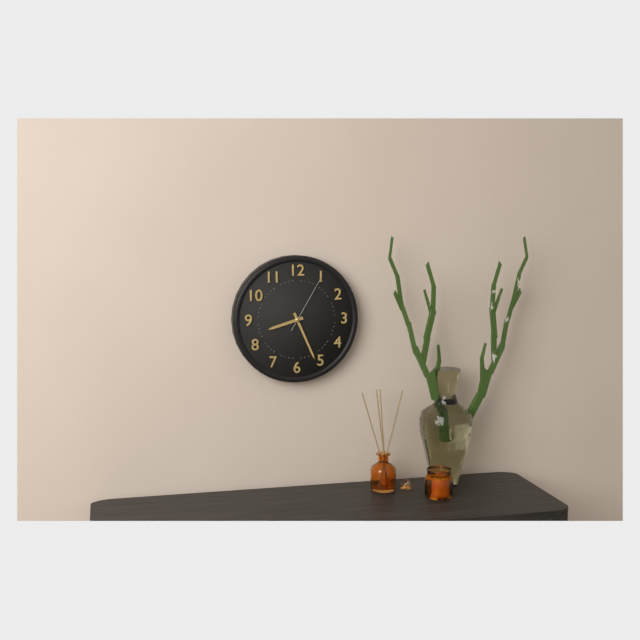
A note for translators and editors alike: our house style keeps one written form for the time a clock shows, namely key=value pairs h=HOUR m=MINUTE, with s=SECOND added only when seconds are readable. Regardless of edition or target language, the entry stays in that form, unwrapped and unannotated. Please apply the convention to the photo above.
h=8 m=26 s=5
